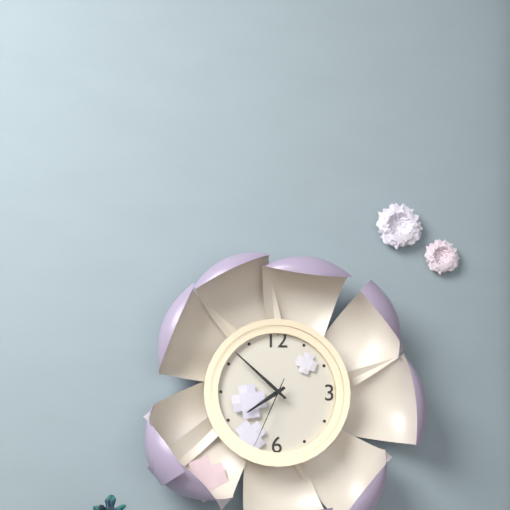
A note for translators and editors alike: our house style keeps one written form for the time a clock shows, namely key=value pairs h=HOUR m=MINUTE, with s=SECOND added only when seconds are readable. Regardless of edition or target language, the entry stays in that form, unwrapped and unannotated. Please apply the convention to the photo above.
h=7 m=52 s=34
